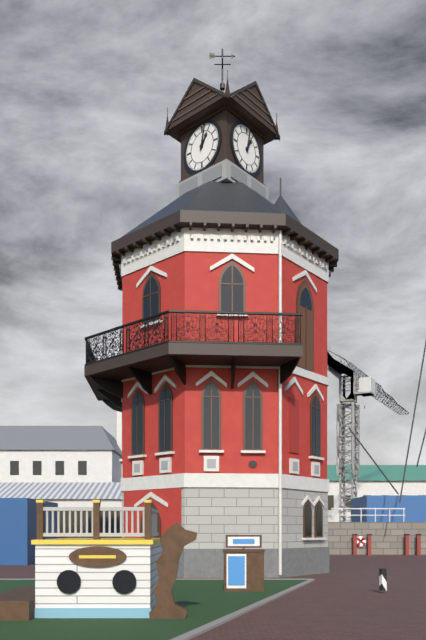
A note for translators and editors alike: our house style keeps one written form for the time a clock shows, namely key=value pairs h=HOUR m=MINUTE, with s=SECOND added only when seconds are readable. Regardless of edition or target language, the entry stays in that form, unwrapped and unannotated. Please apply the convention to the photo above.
h=1 m=2
